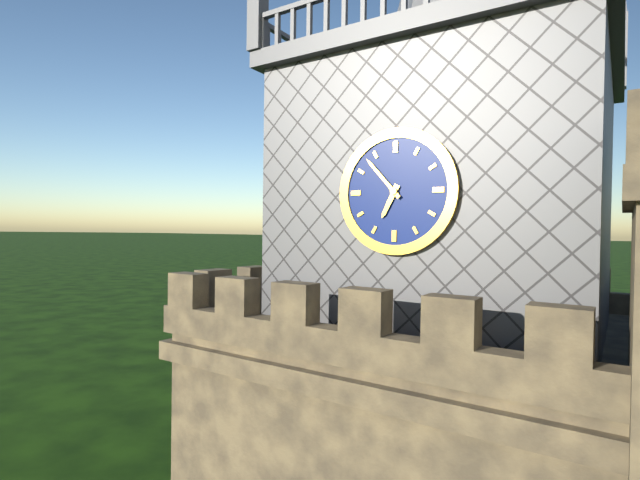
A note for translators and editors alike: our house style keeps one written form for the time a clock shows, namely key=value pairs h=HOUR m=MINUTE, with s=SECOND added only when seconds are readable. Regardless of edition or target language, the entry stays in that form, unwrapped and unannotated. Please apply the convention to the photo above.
h=6 m=53
